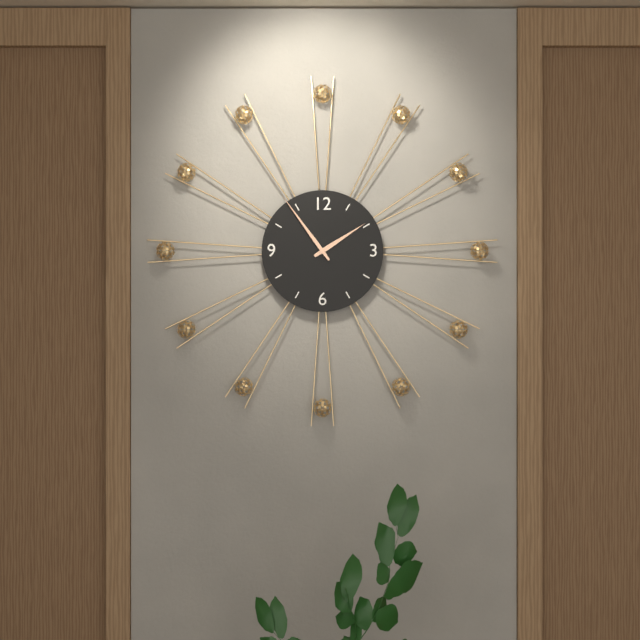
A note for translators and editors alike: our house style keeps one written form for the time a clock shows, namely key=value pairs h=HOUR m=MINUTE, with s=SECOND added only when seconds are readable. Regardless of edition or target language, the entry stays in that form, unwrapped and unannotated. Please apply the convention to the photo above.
h=1 m=54
